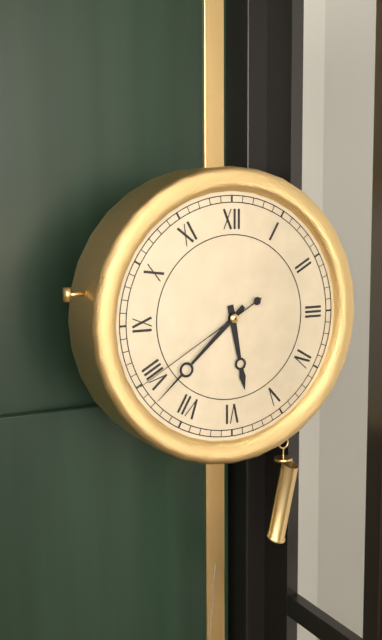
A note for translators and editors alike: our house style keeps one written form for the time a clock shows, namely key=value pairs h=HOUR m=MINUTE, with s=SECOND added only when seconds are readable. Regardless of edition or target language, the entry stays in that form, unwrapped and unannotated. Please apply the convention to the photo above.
h=5 m=38 s=40
